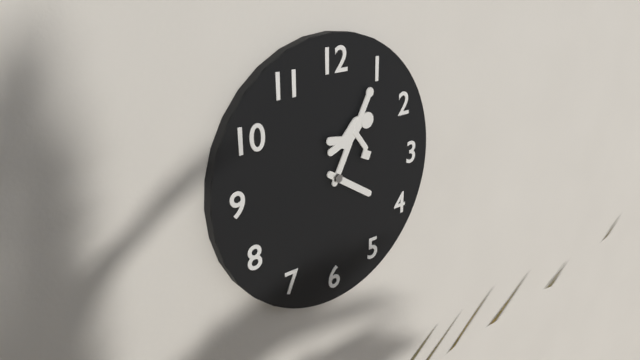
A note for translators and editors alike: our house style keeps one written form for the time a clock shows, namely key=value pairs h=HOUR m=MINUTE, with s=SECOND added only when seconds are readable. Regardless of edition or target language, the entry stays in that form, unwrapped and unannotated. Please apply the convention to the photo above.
h=4 m=4
